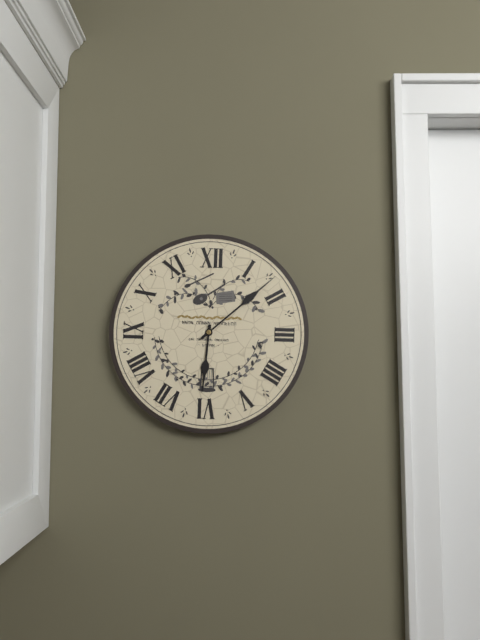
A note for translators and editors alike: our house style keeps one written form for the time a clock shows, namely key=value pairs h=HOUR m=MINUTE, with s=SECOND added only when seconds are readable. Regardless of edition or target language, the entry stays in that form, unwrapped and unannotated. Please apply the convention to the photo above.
h=6 m=8
